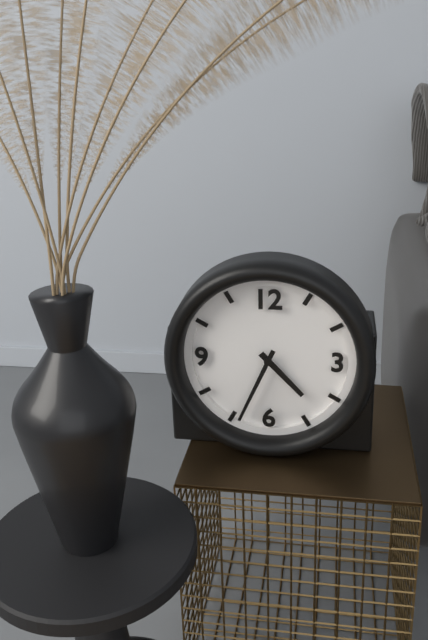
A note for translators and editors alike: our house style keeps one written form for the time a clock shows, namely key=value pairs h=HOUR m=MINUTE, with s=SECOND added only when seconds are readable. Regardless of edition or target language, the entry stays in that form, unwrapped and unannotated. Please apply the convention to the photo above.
h=4 m=34
